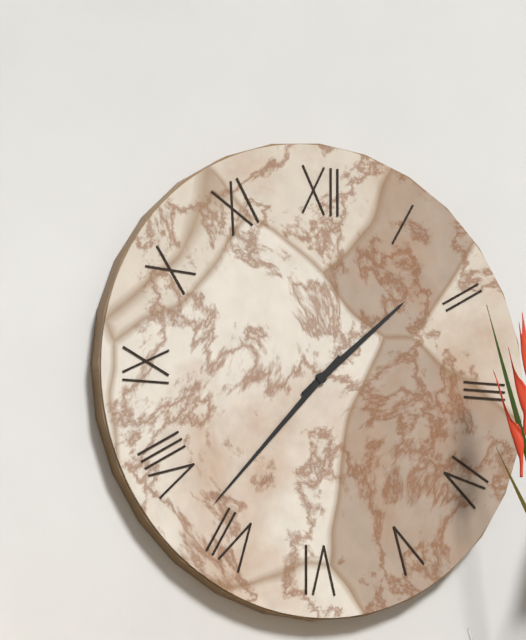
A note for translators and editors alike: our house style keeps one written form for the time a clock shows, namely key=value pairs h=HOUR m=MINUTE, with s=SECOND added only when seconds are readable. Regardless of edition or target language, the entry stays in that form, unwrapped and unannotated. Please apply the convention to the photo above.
h=1 m=37
